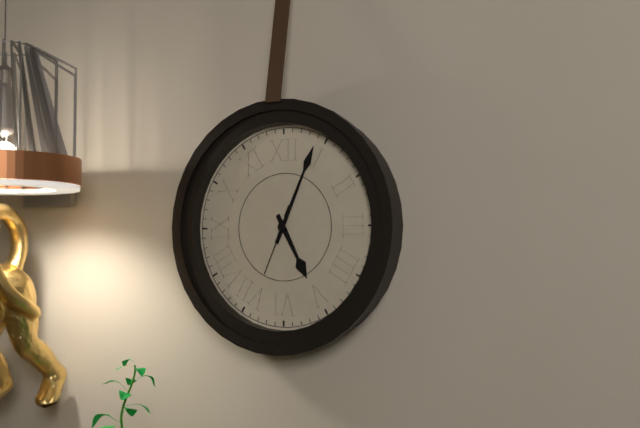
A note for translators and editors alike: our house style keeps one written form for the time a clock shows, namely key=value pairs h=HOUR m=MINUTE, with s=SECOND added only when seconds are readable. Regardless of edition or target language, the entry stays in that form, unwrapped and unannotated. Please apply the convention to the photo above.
h=5 m=4 s=34
